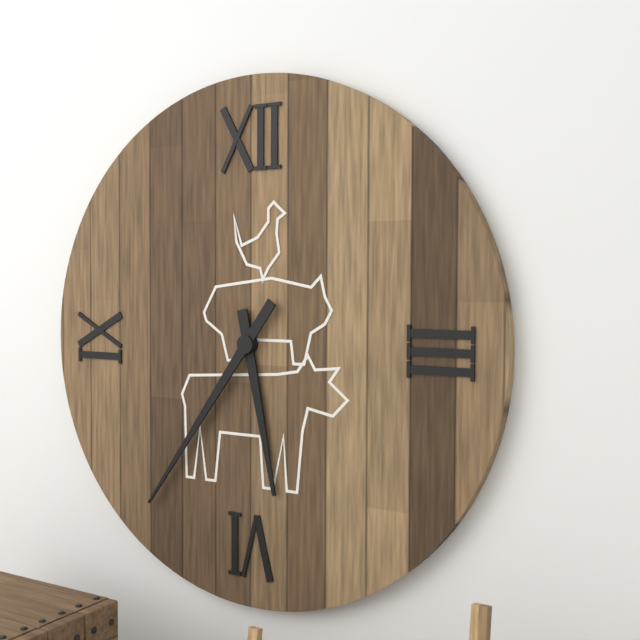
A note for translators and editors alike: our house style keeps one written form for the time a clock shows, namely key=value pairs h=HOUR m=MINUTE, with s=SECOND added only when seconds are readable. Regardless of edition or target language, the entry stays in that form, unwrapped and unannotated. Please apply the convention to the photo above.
h=5 m=36
